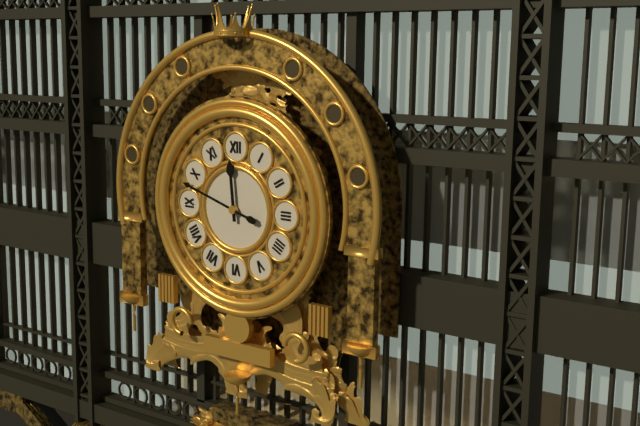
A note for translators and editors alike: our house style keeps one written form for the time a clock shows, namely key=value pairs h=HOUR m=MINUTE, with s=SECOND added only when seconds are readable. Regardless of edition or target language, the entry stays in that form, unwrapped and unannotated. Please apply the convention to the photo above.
h=11 m=48
